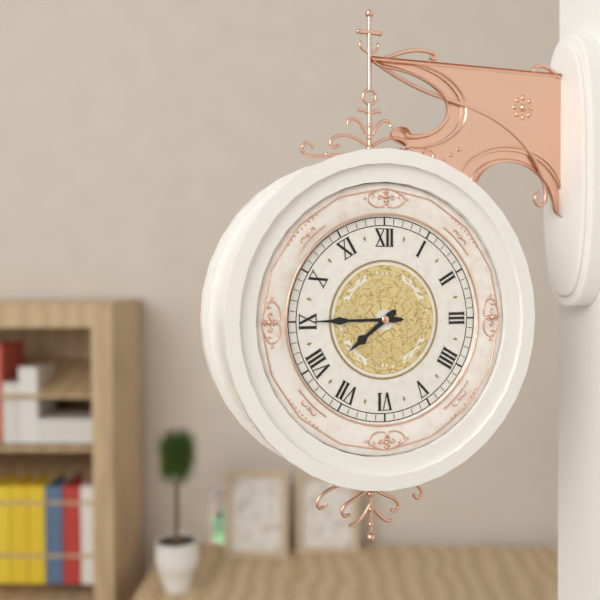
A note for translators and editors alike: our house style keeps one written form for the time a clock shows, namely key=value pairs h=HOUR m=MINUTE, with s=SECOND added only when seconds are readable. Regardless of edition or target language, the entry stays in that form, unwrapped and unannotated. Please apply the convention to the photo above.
h=7 m=45
